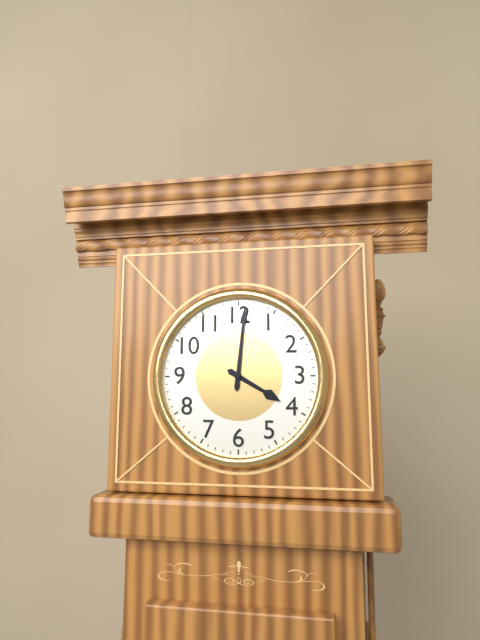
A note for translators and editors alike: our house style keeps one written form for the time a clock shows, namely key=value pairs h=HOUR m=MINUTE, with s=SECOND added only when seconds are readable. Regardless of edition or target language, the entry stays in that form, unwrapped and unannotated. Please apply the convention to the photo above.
h=4 m=1
